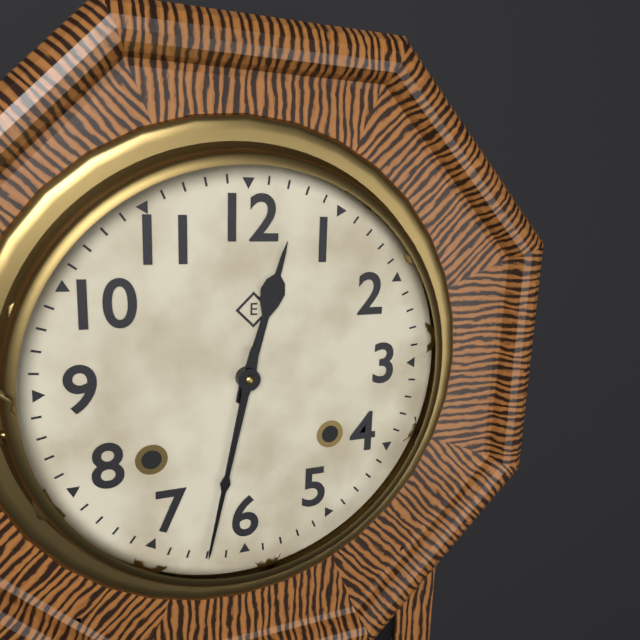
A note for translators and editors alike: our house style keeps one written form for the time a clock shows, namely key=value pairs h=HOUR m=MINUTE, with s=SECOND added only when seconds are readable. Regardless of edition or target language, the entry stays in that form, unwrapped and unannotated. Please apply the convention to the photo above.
h=12 m=32
